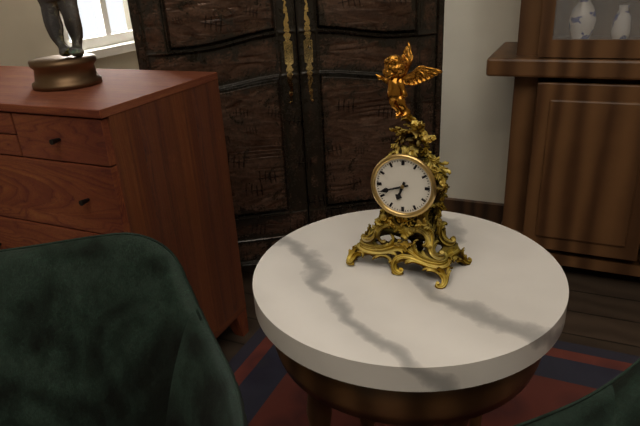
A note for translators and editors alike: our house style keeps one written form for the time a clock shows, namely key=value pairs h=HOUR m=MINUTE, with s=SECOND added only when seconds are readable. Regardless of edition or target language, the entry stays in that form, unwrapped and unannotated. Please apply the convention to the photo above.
h=6 m=42
